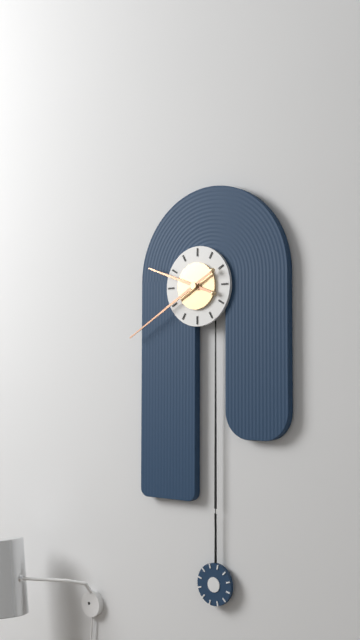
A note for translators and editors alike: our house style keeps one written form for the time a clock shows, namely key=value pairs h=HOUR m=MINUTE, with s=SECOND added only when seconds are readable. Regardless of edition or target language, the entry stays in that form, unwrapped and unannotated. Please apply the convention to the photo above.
h=9 m=40
